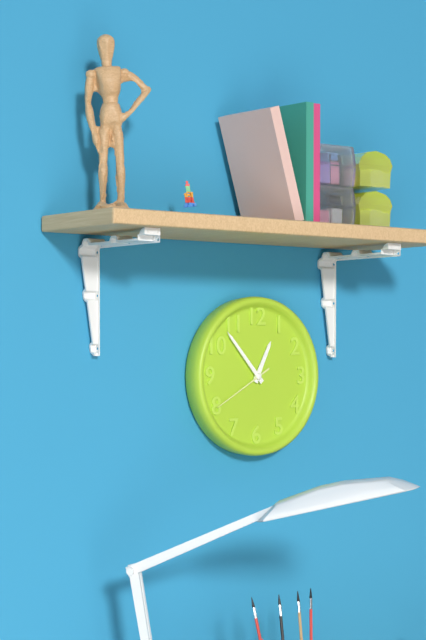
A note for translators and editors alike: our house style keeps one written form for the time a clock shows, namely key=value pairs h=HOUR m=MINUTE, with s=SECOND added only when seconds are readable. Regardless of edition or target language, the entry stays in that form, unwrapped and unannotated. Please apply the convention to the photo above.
h=12 m=53 s=40
